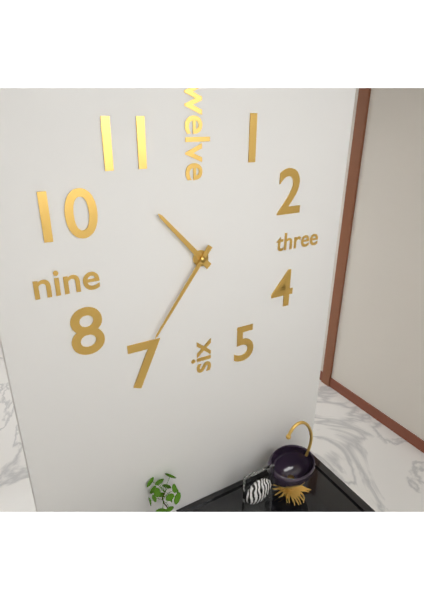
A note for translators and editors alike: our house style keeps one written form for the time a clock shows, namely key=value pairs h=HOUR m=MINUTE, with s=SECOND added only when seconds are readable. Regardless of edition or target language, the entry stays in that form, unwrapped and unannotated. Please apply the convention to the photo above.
h=10 m=36
